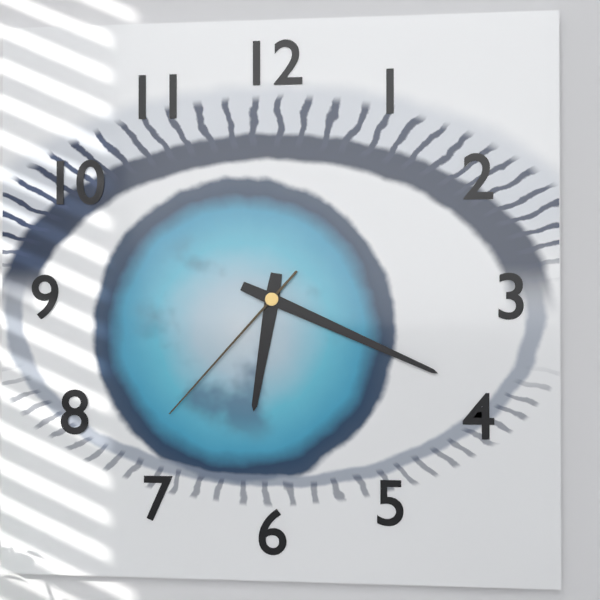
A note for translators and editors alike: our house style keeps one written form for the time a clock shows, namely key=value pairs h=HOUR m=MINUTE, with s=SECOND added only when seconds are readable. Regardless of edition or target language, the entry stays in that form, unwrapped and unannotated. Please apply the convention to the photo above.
h=6 m=19 s=37
